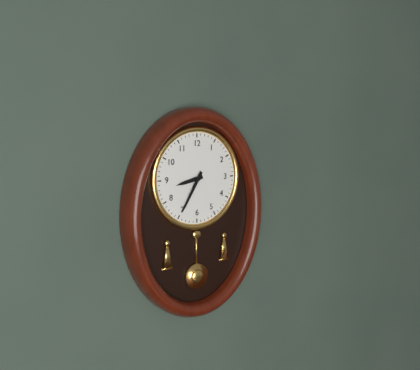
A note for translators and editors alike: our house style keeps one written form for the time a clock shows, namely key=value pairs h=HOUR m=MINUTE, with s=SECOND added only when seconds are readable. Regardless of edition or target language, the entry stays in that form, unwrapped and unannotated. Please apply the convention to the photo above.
h=8 m=35
